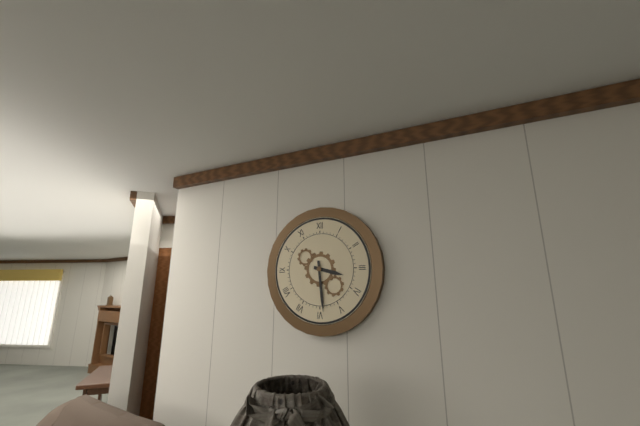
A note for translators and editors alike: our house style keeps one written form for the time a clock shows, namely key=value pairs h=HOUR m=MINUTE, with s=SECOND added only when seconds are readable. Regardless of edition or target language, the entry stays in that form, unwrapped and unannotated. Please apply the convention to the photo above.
h=3 m=29
